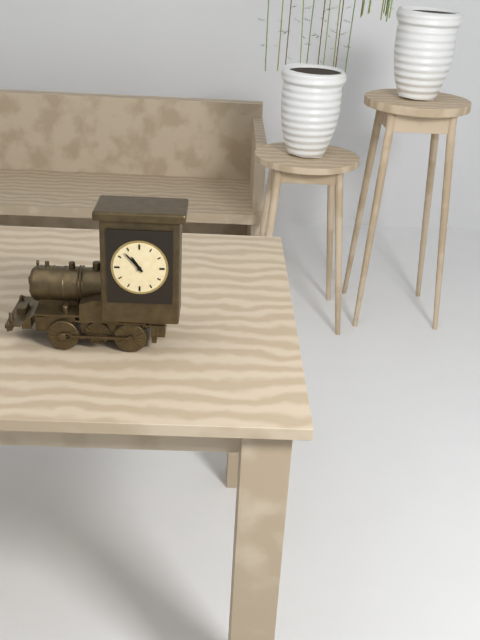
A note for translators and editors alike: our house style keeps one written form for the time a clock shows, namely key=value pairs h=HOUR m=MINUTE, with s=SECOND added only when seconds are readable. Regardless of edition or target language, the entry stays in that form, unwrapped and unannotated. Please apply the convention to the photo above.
h=10 m=53
